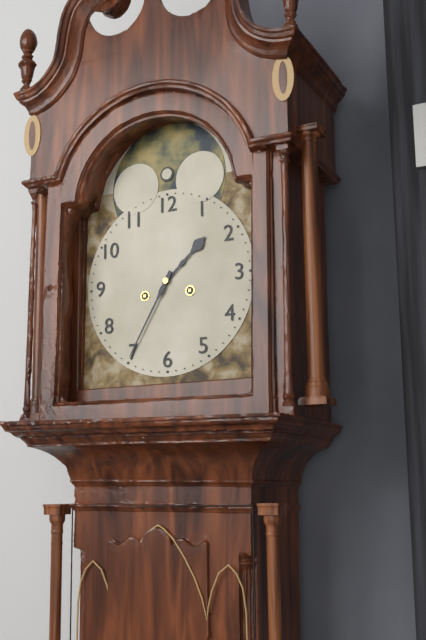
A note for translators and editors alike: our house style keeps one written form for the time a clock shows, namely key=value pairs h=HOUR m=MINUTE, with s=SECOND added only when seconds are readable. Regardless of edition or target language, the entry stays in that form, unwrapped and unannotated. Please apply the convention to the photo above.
h=1 m=35
